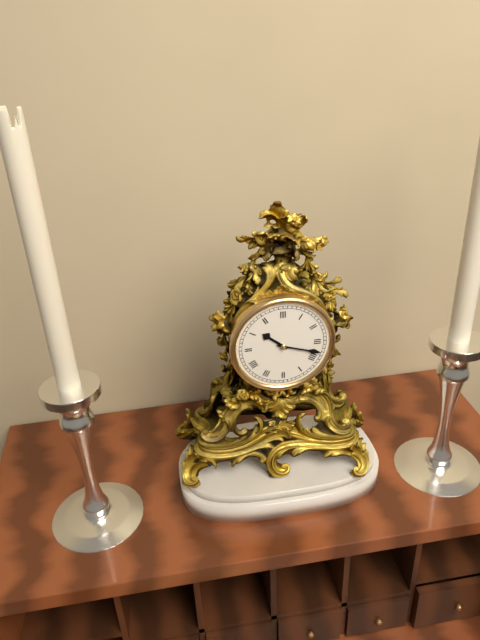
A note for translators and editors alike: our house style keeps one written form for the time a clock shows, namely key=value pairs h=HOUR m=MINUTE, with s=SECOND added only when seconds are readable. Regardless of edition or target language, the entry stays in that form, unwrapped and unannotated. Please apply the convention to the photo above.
h=10 m=18
